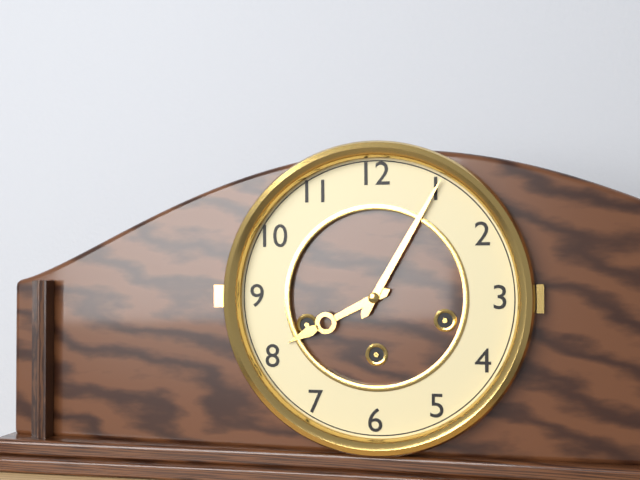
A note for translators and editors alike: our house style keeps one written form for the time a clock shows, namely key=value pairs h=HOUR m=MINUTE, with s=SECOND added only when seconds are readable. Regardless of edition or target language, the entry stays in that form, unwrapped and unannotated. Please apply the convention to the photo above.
h=8 m=5
